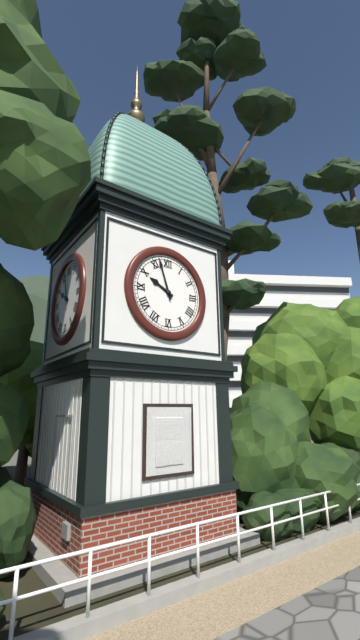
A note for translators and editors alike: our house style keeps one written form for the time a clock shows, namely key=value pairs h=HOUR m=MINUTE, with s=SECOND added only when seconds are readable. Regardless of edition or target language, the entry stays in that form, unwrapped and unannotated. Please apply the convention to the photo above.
h=9 m=57
